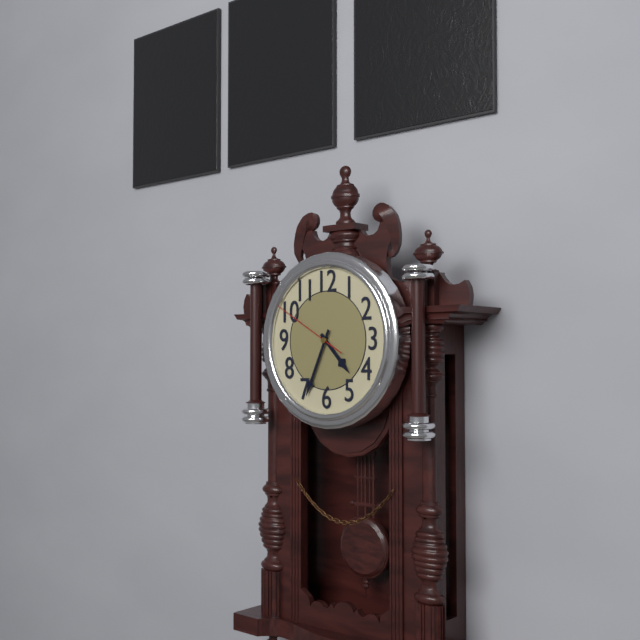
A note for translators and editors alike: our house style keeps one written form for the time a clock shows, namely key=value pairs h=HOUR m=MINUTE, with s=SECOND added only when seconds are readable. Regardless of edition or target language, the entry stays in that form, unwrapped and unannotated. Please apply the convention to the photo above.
h=4 m=34 s=50
